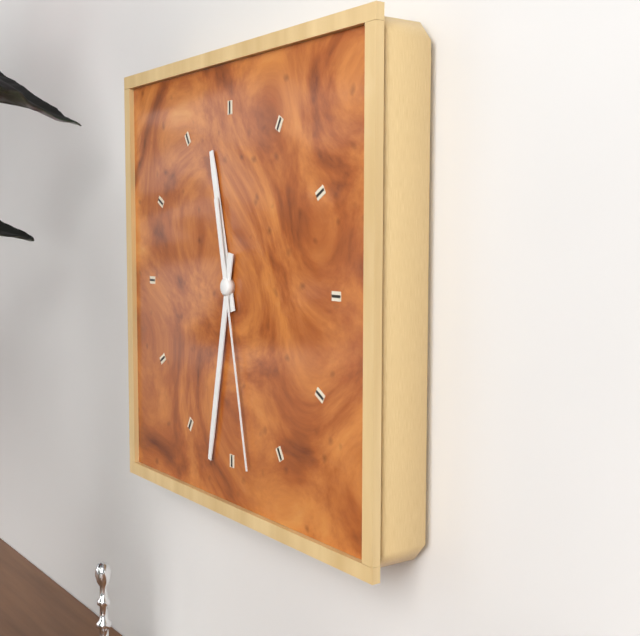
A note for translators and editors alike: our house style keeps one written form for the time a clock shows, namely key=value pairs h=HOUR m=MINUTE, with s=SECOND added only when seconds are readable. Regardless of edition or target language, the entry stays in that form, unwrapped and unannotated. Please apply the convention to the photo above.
h=11 m=32 s=28
